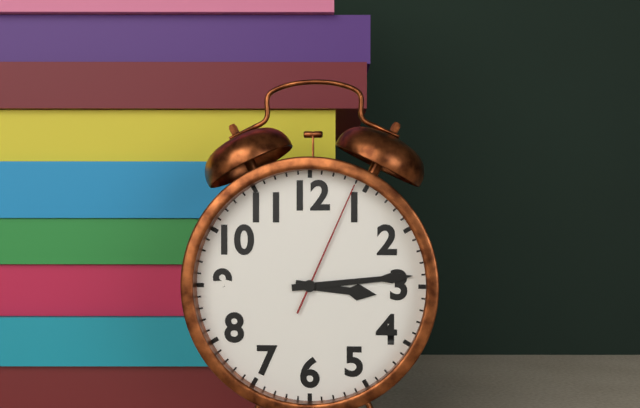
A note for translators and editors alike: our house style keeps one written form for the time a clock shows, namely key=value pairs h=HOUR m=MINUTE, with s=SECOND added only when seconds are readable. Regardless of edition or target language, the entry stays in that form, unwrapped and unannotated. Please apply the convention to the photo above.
h=3 m=14 s=4
